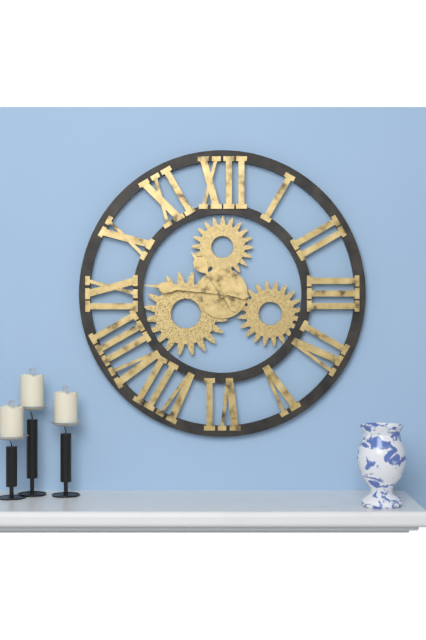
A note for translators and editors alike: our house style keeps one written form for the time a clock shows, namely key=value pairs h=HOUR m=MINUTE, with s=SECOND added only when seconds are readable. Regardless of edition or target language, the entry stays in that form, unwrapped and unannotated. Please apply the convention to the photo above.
h=10 m=46
